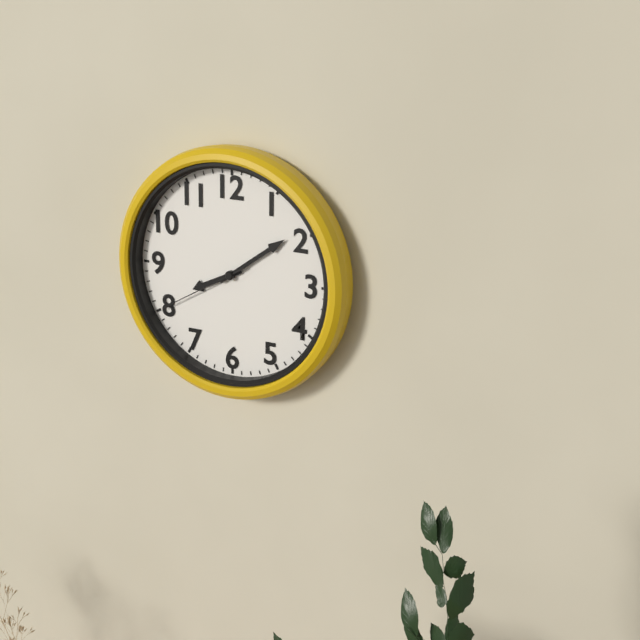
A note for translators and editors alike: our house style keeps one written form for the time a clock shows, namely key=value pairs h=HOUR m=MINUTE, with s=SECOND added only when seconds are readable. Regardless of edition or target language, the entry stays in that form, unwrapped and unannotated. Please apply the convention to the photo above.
h=8 m=9 s=40
